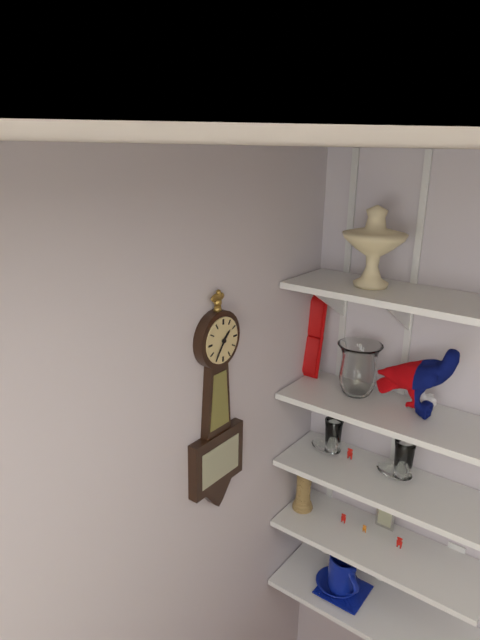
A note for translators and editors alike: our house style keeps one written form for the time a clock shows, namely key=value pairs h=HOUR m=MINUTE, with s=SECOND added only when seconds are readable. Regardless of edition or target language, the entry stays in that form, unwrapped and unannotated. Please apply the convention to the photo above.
h=1 m=36
